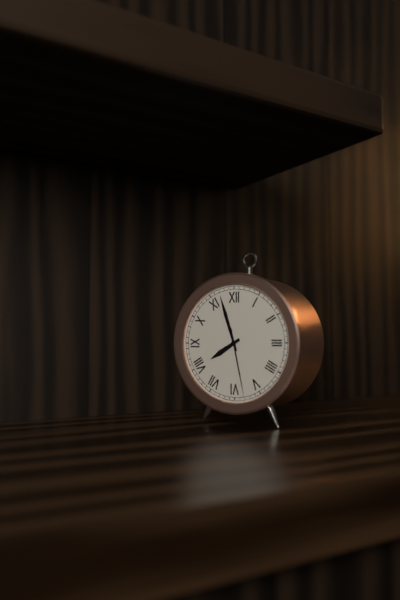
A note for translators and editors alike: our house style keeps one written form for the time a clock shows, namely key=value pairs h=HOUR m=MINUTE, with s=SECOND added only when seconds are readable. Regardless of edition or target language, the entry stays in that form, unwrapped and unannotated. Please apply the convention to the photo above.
h=7 m=57 s=28
